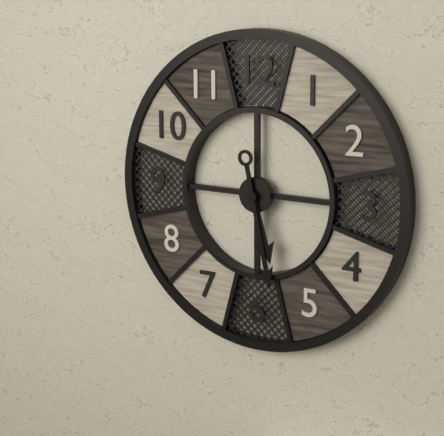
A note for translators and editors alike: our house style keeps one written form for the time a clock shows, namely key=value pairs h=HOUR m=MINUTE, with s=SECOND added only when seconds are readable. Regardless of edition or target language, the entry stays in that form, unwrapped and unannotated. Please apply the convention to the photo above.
h=5 m=28
